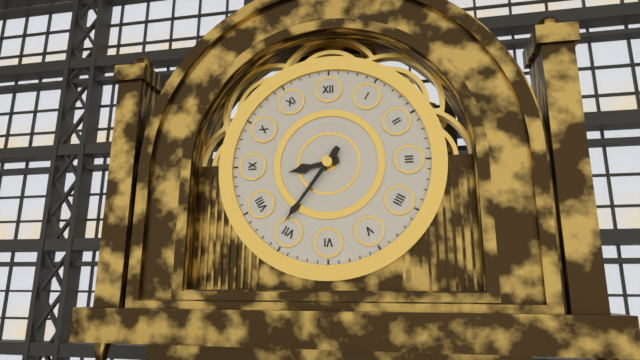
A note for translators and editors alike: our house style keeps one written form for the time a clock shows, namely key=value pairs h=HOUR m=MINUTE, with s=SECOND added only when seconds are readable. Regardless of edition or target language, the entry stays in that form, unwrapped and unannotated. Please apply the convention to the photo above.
h=8 m=36
